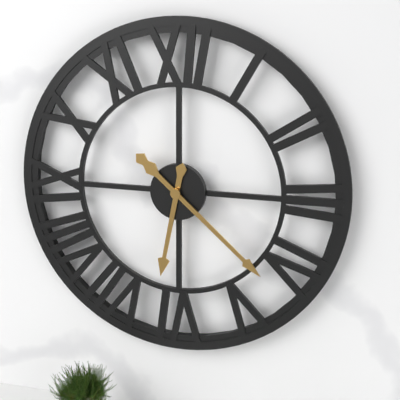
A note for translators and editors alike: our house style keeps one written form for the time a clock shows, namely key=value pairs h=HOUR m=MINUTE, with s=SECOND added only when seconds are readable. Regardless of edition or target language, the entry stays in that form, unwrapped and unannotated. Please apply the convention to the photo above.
h=6 m=22
